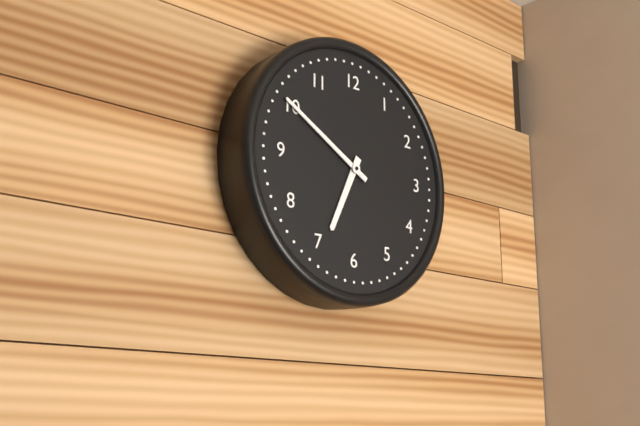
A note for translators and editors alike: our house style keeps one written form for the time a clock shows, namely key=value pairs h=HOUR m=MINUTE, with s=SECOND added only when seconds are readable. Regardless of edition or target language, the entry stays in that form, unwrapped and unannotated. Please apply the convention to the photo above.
h=6 m=50
